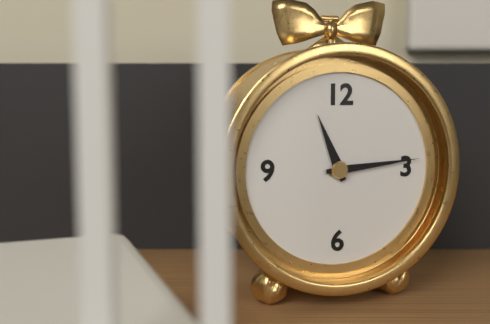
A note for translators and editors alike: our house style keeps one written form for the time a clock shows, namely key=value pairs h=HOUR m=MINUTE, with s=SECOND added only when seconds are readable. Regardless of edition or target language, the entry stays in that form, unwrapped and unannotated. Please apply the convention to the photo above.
h=11 m=14
